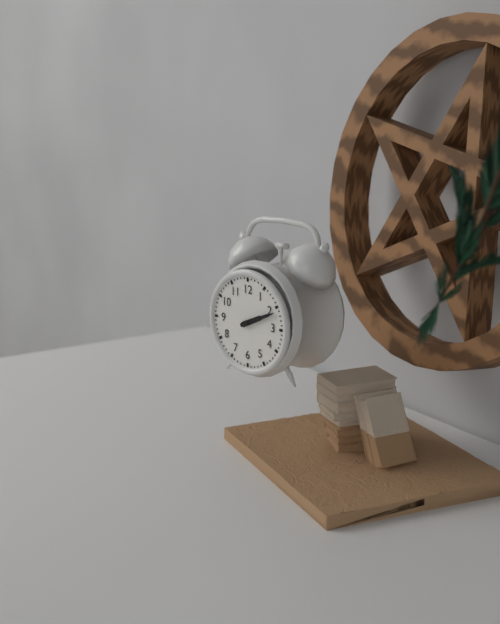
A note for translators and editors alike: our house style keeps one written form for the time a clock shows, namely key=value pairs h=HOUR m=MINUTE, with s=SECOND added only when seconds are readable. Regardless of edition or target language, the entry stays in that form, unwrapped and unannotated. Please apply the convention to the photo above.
h=2 m=11
